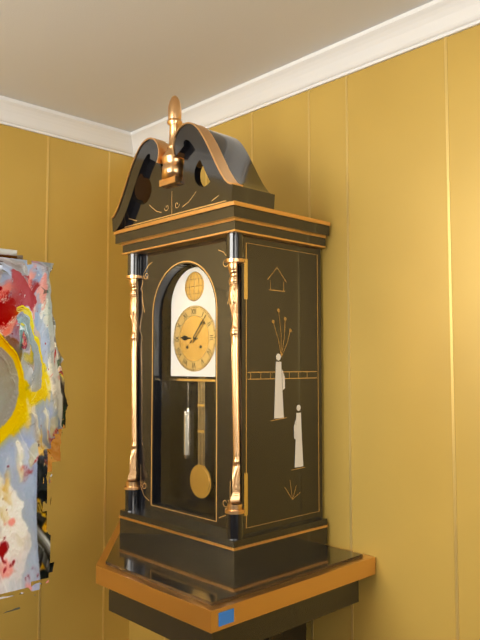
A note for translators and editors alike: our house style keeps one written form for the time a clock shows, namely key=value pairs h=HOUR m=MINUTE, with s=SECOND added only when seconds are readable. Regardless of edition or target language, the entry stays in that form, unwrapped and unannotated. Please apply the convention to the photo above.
h=9 m=7
